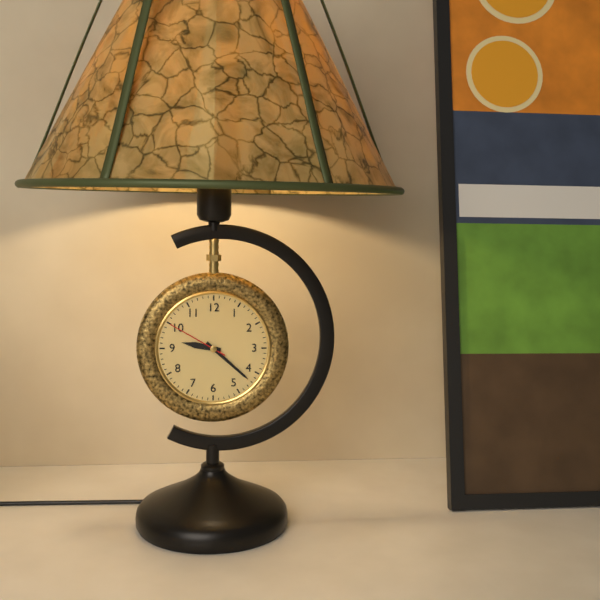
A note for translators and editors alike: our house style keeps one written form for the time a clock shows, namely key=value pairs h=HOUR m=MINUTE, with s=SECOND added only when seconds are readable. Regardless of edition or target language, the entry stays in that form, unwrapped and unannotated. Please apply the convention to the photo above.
h=9 m=22 s=50
